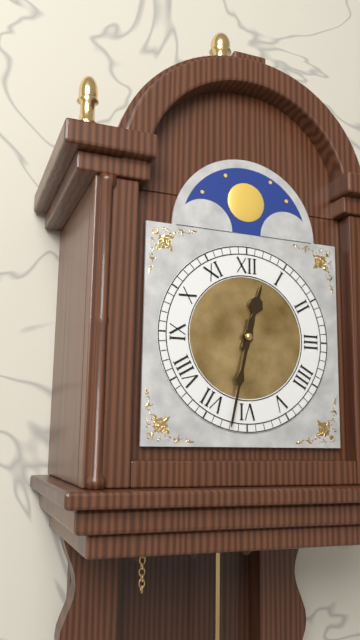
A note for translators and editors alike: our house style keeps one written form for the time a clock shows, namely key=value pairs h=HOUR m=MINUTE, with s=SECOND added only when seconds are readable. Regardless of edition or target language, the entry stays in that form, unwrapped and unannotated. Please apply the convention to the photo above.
h=12 m=32
